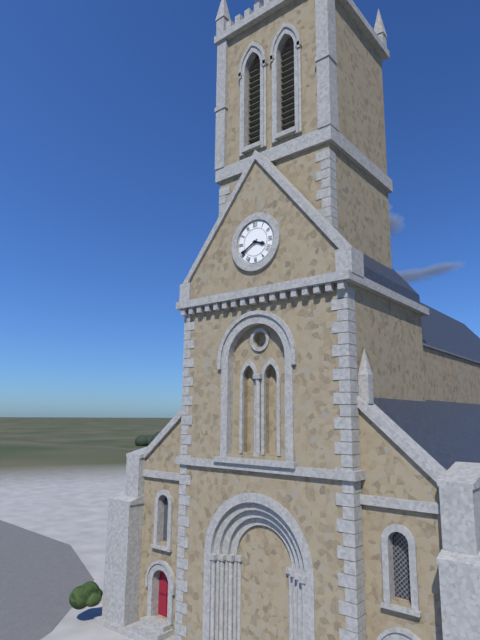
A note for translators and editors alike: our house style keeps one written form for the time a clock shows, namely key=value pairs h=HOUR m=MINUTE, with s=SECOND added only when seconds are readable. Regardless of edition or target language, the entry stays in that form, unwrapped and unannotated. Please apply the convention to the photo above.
h=3 m=40
